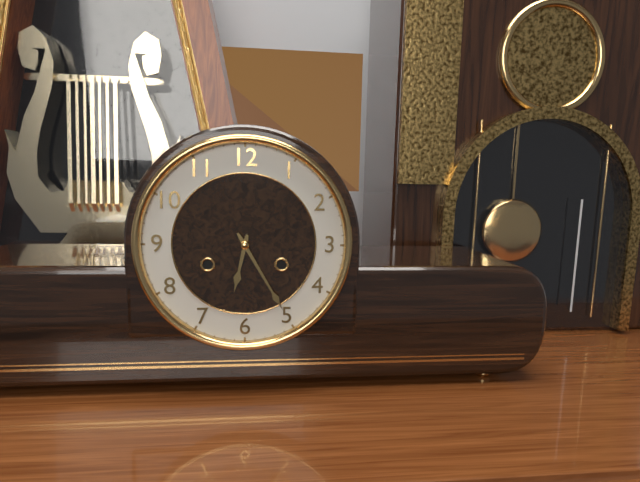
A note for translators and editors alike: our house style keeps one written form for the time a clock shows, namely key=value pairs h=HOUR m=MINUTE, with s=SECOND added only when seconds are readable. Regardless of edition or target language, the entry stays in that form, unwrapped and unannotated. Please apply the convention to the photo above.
h=6 m=25
